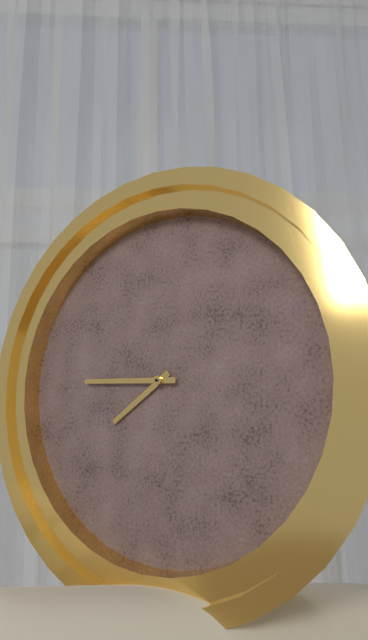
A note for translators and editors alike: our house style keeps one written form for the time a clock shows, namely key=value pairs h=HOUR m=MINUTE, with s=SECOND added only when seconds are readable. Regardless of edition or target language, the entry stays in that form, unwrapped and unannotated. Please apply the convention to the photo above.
h=7 m=45
